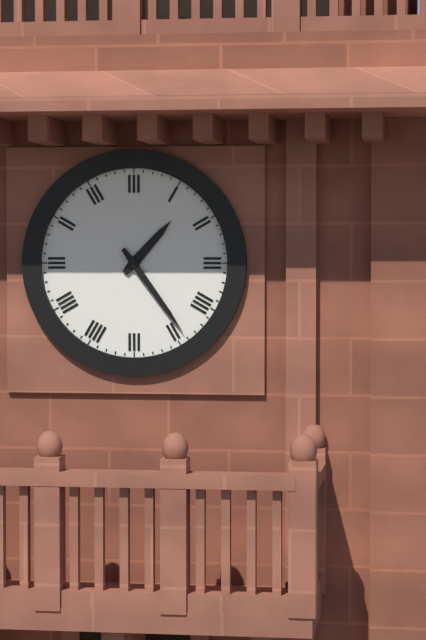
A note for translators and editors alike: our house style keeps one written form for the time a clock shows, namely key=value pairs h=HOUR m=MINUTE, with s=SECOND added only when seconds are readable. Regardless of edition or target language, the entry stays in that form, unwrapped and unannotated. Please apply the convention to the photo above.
h=1 m=24
